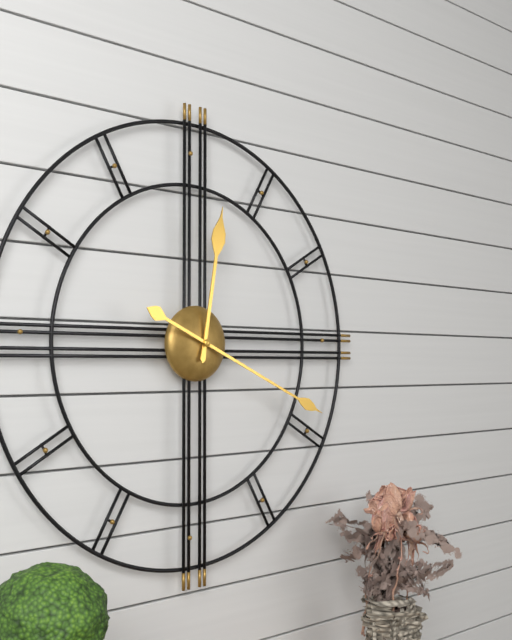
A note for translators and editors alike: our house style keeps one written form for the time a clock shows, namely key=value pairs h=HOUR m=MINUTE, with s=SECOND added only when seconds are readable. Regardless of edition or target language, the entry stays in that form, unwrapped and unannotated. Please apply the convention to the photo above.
h=12 m=19
